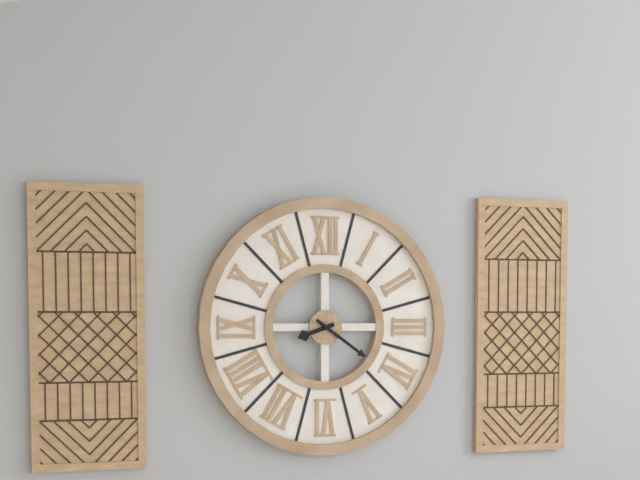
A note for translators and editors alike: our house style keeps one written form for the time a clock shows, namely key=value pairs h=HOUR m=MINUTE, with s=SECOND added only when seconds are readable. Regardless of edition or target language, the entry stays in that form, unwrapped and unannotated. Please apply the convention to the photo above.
h=8 m=21
